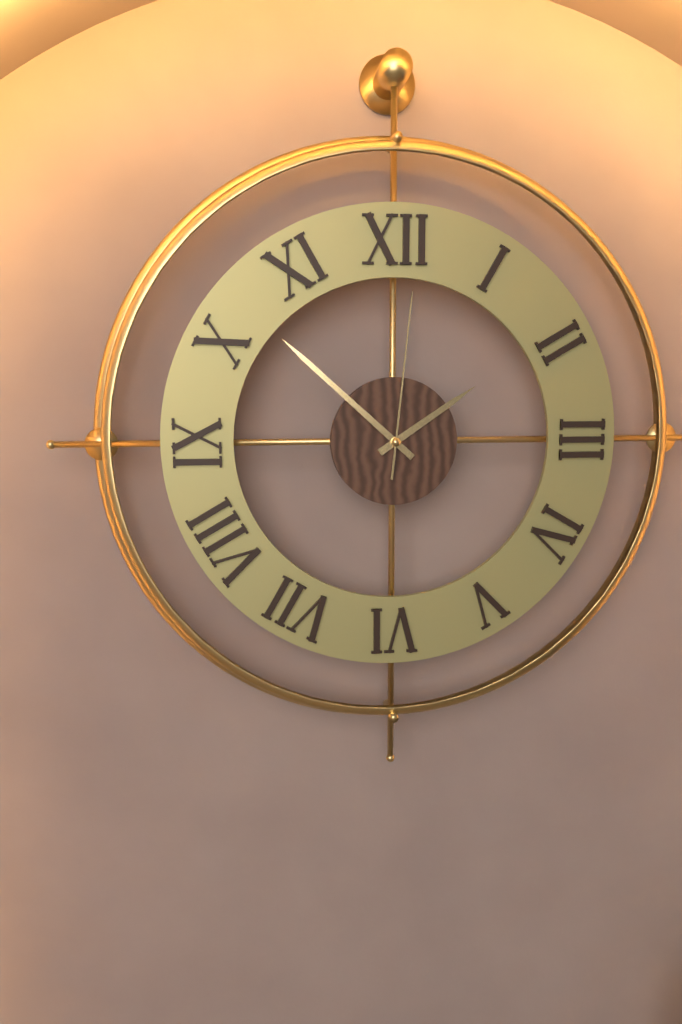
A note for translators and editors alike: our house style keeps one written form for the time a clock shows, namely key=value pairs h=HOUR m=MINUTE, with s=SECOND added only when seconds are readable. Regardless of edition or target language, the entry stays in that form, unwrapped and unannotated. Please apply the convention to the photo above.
h=1 m=52 s=1
